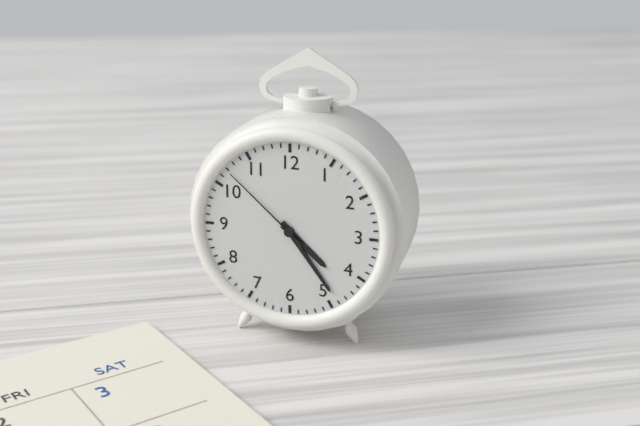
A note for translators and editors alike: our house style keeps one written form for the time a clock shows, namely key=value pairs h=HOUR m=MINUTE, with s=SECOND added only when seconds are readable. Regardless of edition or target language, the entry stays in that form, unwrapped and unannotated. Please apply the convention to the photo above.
h=4 m=24 s=52
